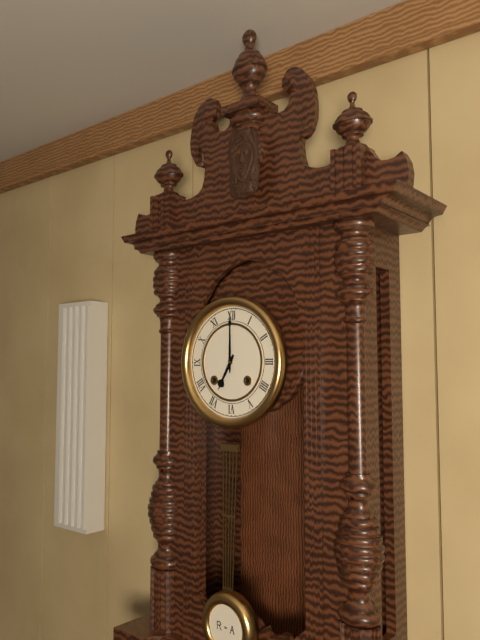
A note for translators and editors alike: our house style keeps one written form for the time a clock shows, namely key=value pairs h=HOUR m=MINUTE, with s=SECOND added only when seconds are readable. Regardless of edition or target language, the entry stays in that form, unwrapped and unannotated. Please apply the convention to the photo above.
h=7 m=0
